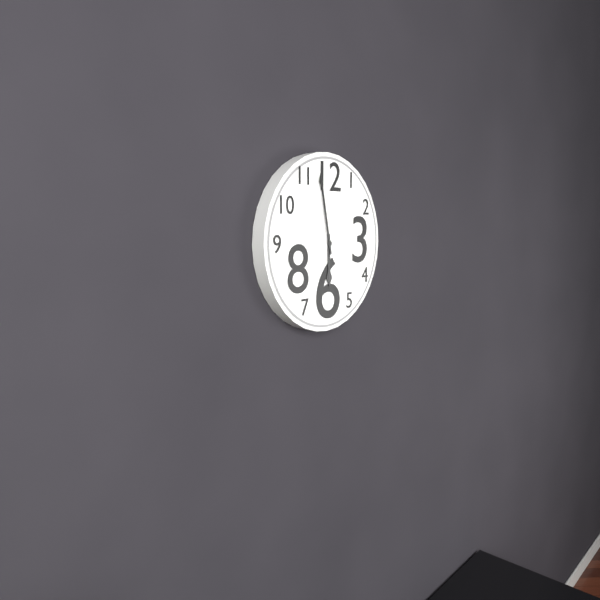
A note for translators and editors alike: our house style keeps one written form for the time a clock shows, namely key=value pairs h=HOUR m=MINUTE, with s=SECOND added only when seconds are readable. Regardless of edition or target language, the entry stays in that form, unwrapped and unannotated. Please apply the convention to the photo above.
h=5 m=58
